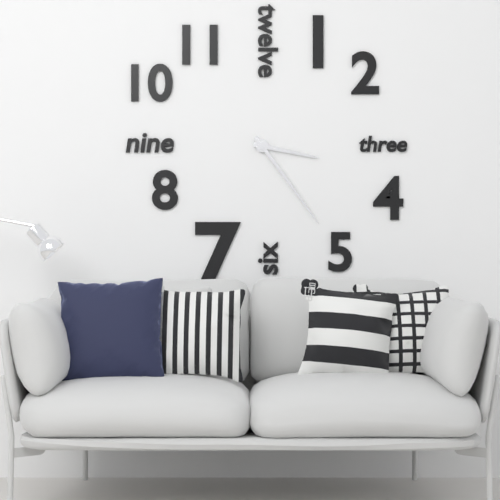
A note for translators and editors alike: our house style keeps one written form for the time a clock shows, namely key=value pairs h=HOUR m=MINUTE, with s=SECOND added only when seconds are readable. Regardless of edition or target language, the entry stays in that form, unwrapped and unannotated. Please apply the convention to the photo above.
h=3 m=24
